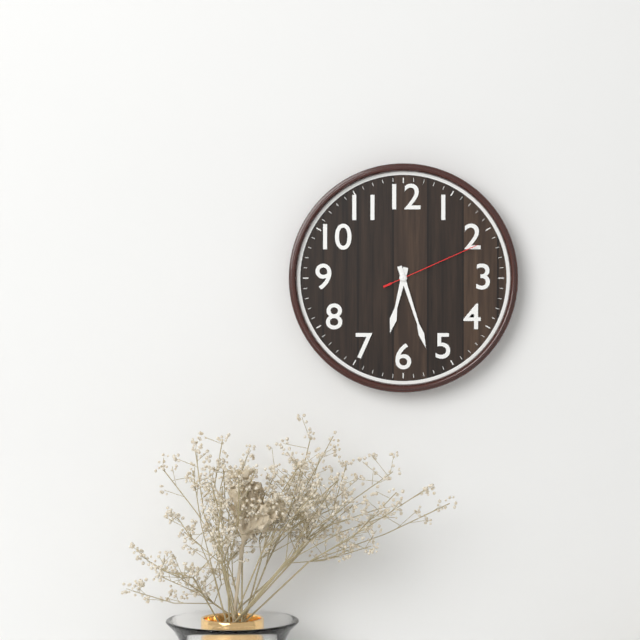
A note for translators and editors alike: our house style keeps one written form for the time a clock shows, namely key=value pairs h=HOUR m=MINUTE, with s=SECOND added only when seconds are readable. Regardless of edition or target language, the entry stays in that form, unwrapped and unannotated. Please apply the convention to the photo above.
h=6 m=27 s=11
